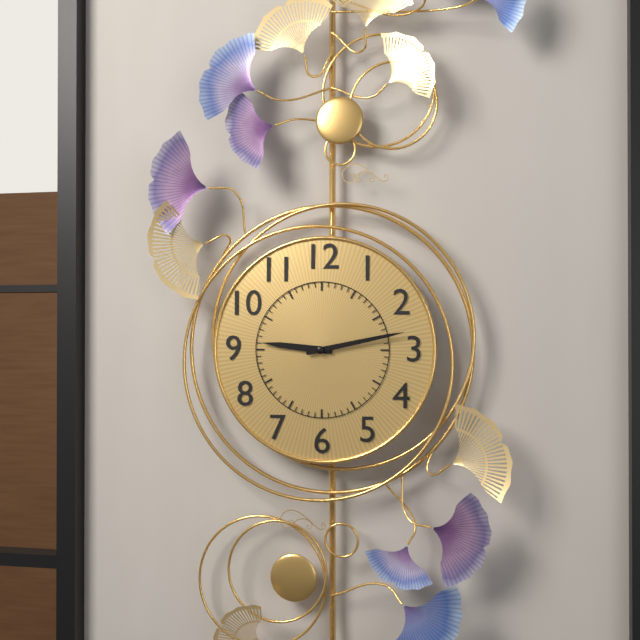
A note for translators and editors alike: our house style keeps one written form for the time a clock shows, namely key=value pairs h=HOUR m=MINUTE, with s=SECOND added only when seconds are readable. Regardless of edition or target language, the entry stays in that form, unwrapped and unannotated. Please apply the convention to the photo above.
h=9 m=13
